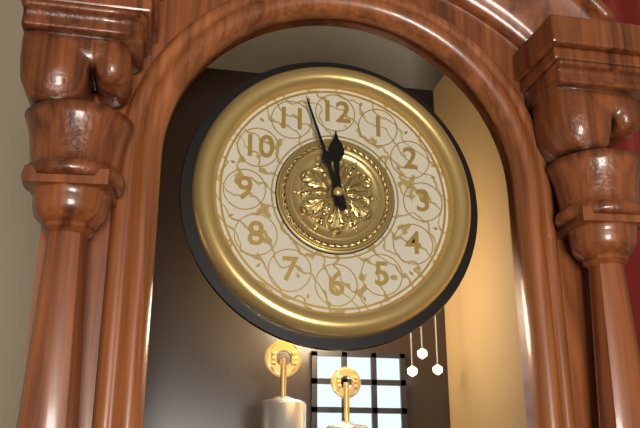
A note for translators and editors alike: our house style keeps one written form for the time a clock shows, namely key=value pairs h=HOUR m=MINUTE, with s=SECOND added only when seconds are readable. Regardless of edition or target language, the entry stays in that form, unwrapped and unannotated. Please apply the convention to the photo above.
h=11 m=57
